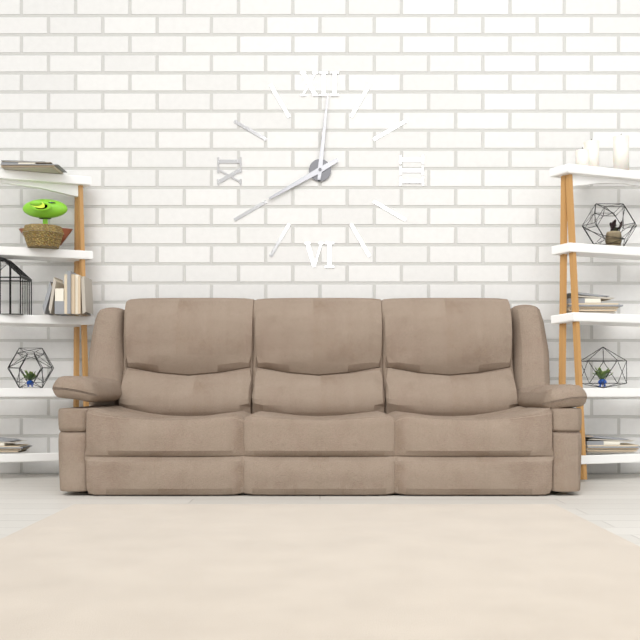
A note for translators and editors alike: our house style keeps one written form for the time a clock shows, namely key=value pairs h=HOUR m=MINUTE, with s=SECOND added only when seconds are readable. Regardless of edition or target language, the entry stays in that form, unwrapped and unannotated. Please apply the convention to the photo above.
h=8 m=1
